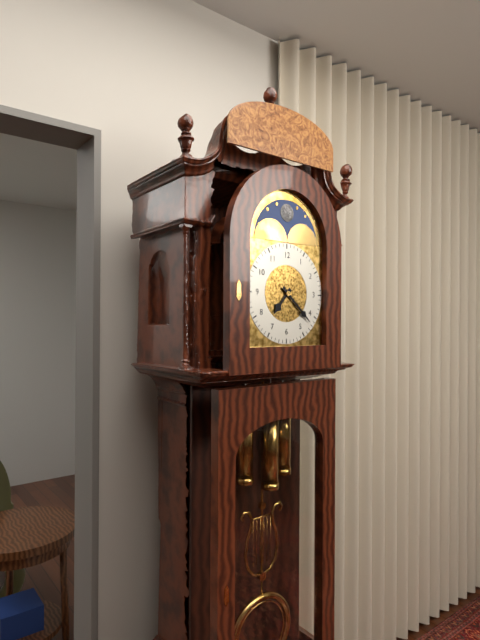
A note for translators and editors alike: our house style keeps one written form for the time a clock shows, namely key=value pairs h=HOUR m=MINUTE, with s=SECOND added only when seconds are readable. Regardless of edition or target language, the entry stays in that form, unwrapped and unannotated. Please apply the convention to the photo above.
h=7 m=22
